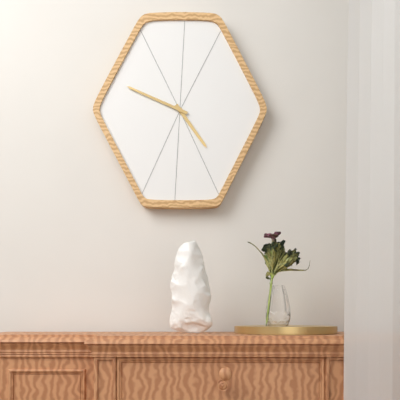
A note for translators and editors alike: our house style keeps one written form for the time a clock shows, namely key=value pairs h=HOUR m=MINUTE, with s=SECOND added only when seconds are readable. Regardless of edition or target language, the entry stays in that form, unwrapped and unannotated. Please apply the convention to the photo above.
h=4 m=49
